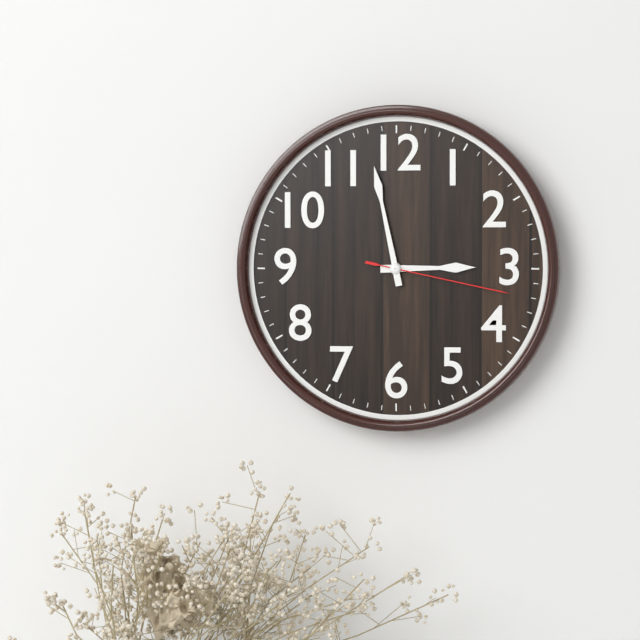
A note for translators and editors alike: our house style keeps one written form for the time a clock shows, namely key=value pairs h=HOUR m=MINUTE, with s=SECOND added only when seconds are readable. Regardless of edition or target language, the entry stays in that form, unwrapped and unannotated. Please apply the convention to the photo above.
h=2 m=58 s=17
